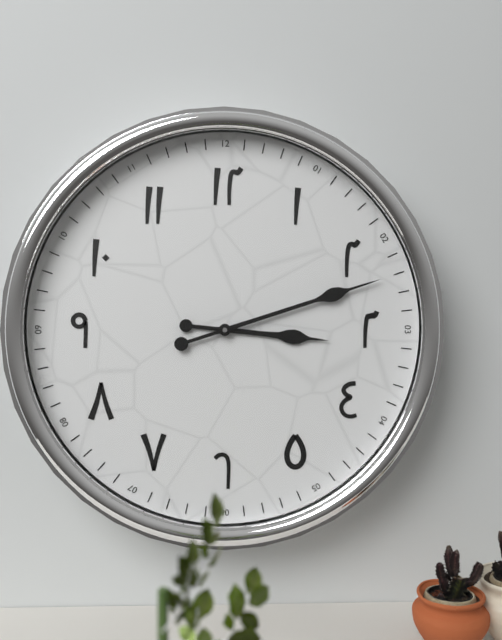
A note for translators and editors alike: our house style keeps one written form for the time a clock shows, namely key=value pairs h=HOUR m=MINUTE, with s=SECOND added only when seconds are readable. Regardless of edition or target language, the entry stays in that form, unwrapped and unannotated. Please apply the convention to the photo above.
h=3 m=12
